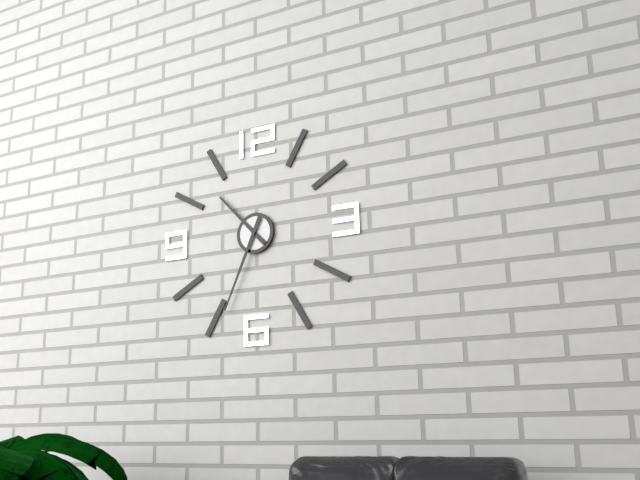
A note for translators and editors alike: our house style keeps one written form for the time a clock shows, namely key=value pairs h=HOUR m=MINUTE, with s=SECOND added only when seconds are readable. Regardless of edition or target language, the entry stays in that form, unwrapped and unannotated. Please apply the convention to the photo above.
h=10 m=34
